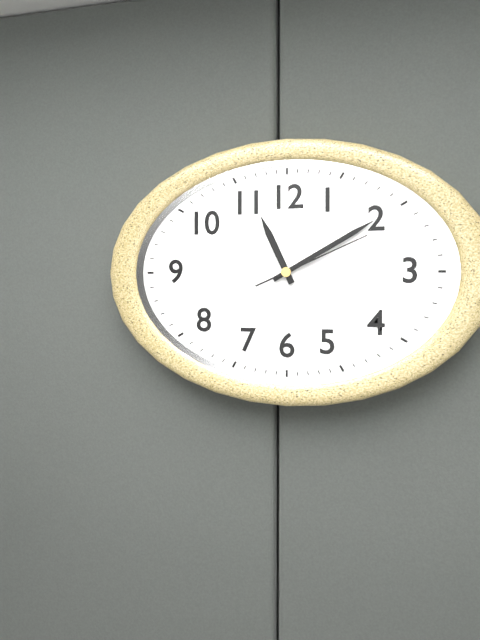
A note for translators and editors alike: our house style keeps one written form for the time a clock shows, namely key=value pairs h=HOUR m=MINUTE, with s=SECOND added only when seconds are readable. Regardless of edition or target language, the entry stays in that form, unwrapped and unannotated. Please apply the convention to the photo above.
h=11 m=10 s=11
